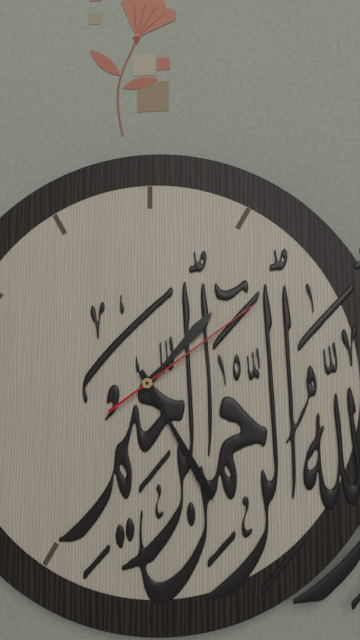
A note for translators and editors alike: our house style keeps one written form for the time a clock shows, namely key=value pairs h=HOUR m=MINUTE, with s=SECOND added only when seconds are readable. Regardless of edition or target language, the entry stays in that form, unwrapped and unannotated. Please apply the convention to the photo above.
h=1 m=25 s=9
